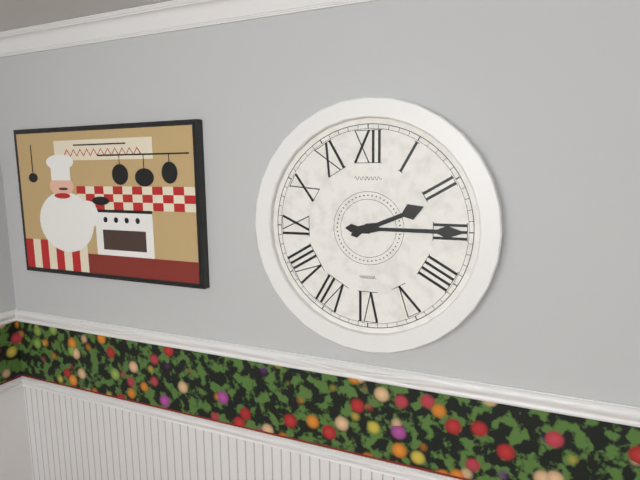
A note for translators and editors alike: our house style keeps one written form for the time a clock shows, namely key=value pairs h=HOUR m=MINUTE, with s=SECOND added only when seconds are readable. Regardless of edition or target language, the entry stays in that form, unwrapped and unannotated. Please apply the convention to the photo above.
h=2 m=15
